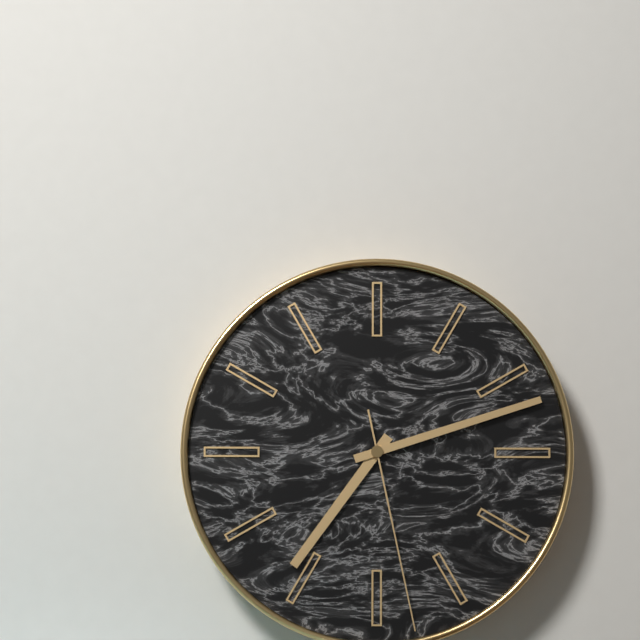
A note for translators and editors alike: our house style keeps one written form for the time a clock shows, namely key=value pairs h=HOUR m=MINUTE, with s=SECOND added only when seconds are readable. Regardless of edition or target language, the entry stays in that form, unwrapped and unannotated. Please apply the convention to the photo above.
h=7 m=12 s=28
